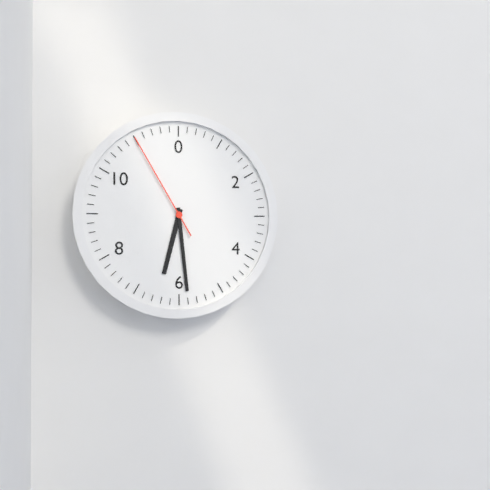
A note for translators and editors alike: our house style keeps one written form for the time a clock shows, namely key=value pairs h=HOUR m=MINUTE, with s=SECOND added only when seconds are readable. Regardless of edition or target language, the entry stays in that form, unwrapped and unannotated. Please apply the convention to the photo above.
h=6 m=29 s=55
